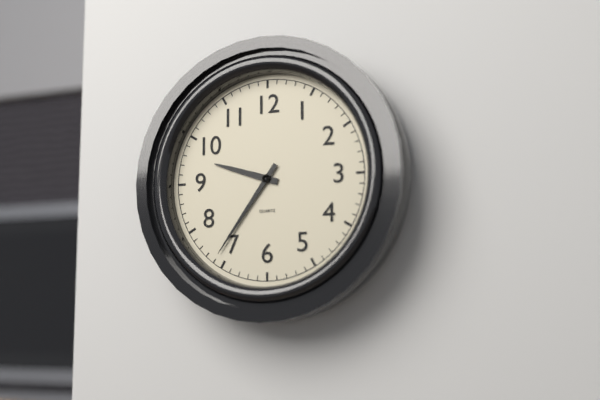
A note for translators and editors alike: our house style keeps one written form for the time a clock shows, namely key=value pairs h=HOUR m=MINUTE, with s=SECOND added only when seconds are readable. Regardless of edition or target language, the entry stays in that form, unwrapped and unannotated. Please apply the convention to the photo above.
h=9 m=36
